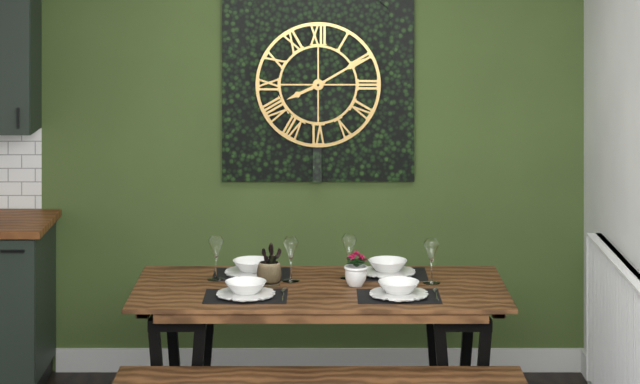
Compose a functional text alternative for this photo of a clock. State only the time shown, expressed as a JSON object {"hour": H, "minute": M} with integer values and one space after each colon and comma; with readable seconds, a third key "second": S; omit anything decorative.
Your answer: {"hour": 8, "minute": 10}
